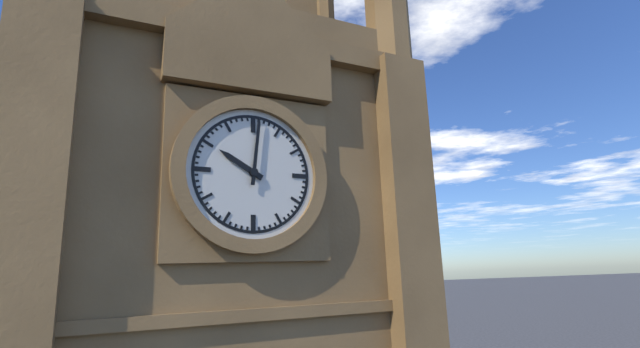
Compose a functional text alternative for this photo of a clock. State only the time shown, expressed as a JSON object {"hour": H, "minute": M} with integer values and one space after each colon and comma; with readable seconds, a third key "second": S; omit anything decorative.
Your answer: {"hour": 10, "minute": 1}
